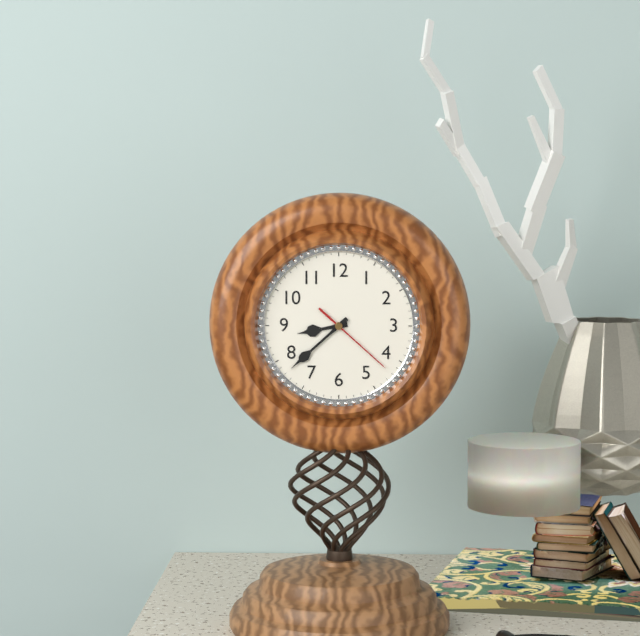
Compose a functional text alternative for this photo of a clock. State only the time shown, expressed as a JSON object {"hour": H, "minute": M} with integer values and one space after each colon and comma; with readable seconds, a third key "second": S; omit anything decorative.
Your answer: {"hour": 8, "minute": 38, "second": 22}
